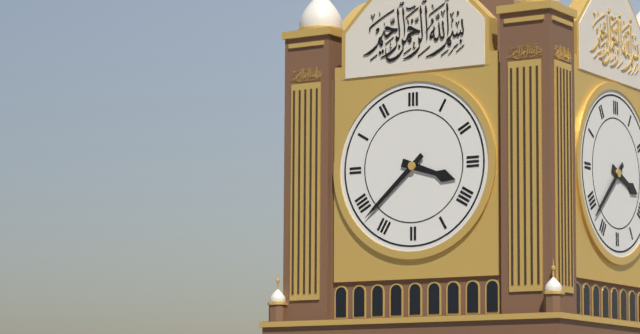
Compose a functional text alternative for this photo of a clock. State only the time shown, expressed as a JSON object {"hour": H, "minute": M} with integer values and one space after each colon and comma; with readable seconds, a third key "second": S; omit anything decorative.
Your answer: {"hour": 3, "minute": 38}
